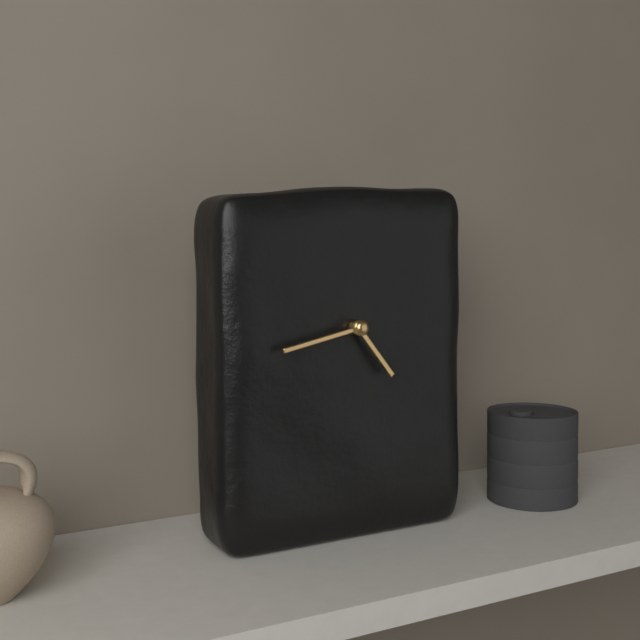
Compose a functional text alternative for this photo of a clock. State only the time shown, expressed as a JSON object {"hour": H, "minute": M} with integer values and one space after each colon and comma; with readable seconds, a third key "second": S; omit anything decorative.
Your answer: {"hour": 4, "minute": 43}
